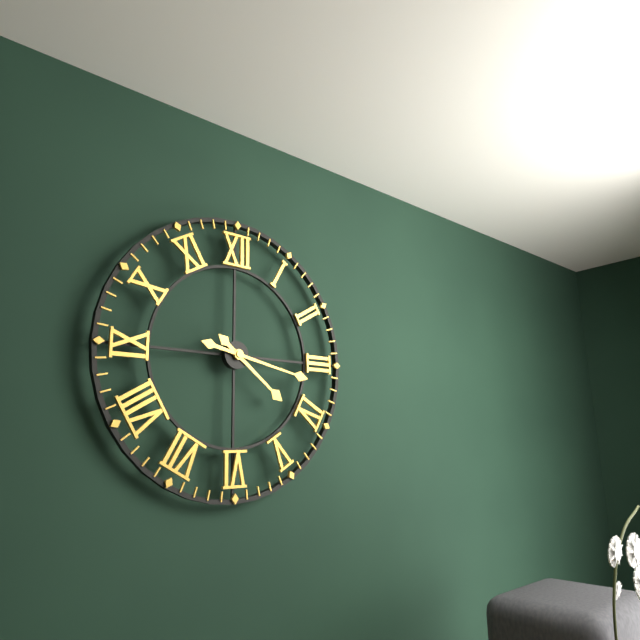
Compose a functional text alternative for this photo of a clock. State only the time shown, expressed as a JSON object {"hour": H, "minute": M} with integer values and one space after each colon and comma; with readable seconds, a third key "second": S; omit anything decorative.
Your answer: {"hour": 4, "minute": 17}
